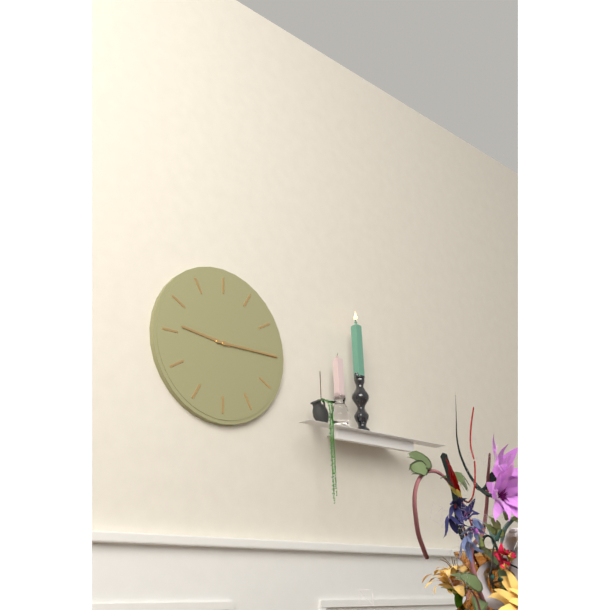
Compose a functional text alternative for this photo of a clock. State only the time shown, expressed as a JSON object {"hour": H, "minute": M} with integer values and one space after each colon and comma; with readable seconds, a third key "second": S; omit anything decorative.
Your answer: {"hour": 9, "minute": 15}
